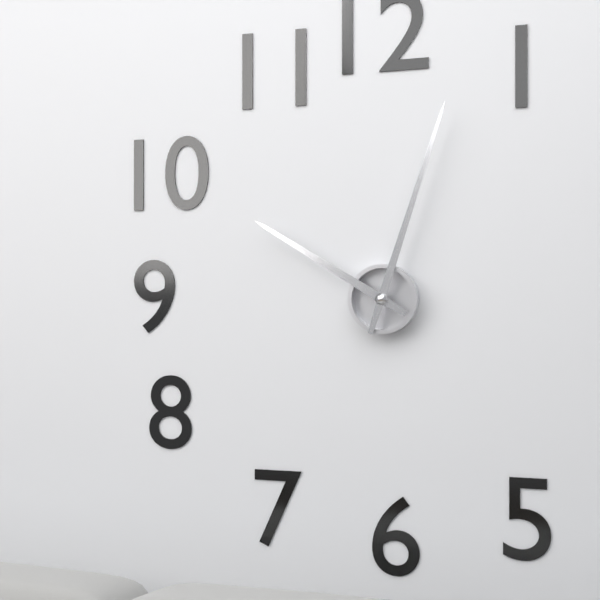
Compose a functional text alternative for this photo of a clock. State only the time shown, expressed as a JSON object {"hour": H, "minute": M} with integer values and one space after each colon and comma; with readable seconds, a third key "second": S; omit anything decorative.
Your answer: {"hour": 10, "minute": 3}
